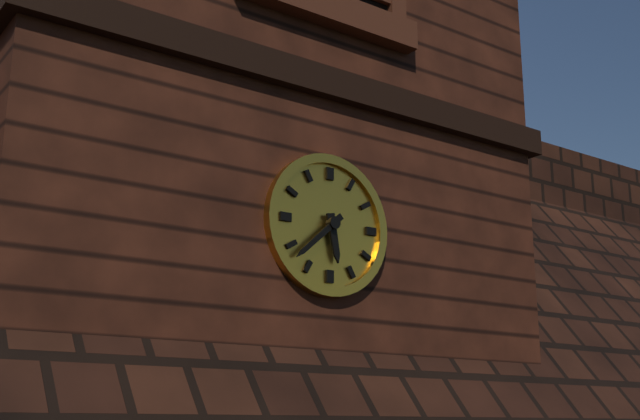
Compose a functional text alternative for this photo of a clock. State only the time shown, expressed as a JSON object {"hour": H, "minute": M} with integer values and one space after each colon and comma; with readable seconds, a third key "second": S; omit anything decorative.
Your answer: {"hour": 5, "minute": 38}
